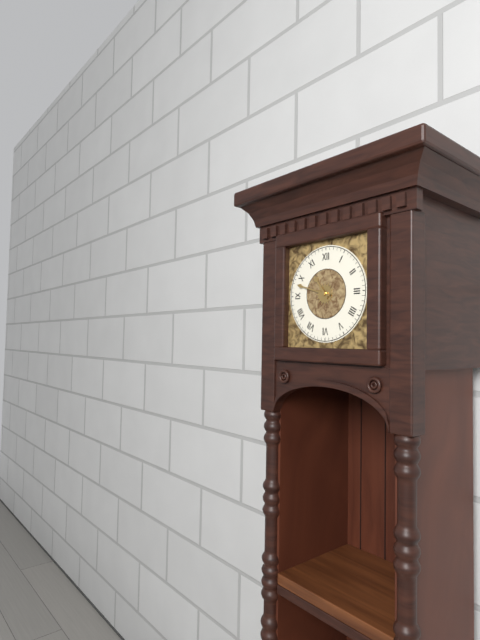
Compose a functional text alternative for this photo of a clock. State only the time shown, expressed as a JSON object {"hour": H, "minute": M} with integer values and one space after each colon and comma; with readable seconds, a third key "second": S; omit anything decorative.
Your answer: {"hour": 10, "minute": 48}
